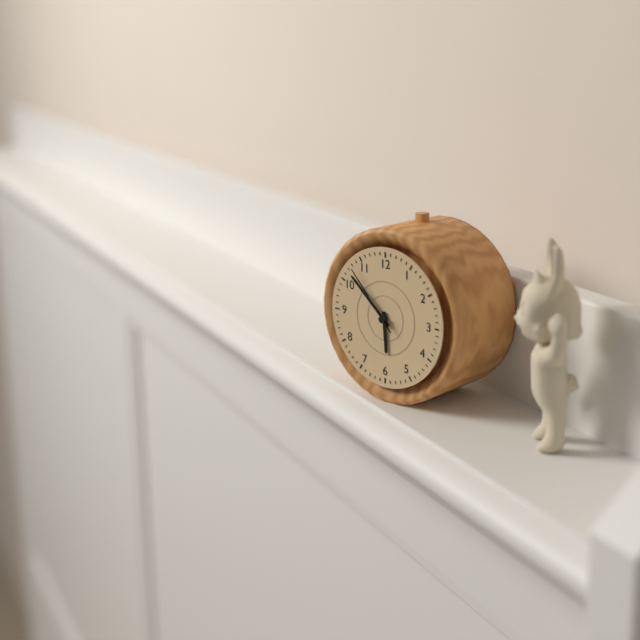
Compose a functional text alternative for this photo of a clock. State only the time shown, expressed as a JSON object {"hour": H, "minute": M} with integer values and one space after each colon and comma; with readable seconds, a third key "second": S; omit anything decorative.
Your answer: {"hour": 5, "minute": 52, "second": 53}
